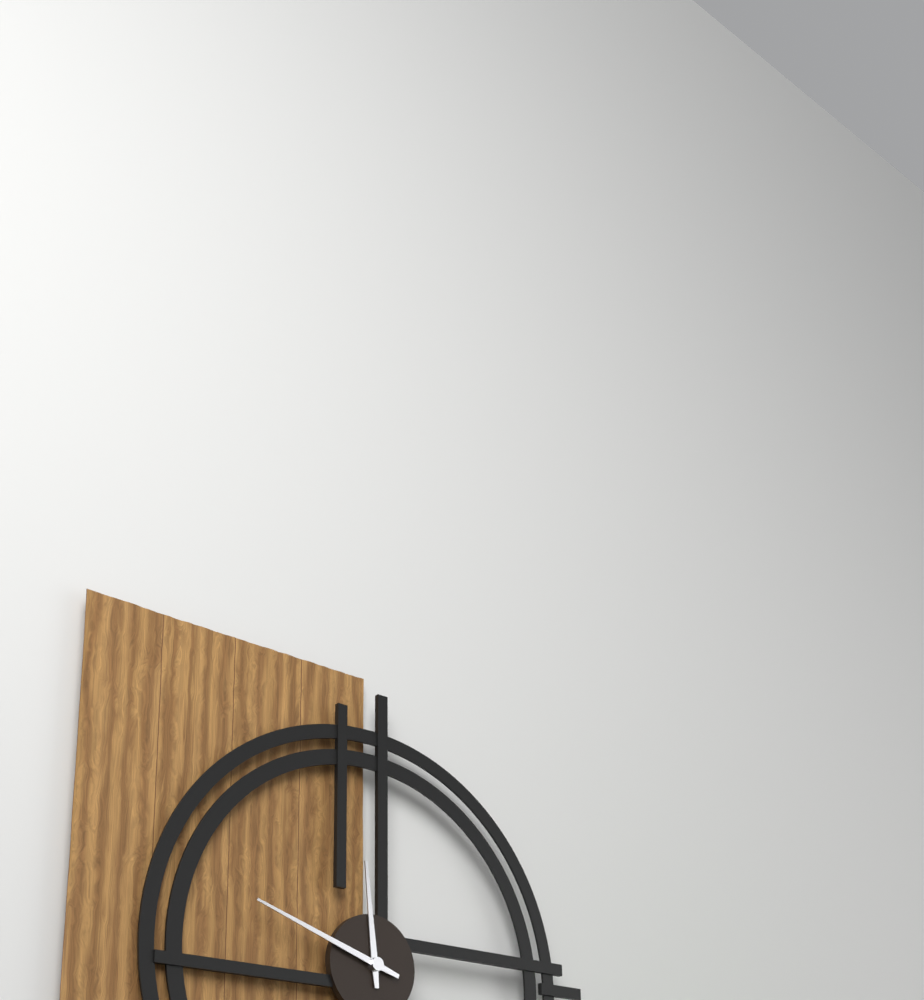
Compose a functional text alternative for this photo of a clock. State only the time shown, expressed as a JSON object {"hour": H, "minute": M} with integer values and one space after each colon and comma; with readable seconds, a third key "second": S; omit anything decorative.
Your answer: {"hour": 11, "minute": 48}
